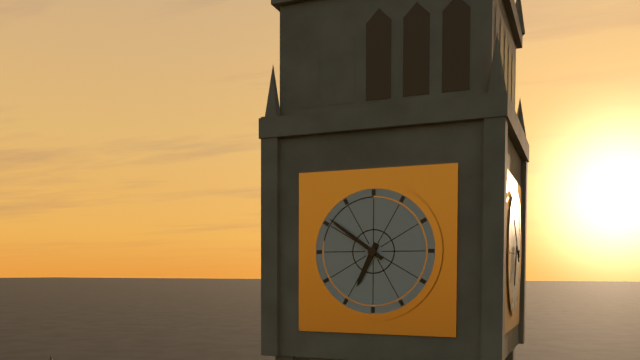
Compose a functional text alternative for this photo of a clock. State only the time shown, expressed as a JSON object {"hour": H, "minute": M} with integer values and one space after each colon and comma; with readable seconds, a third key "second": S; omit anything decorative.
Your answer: {"hour": 6, "minute": 51}
